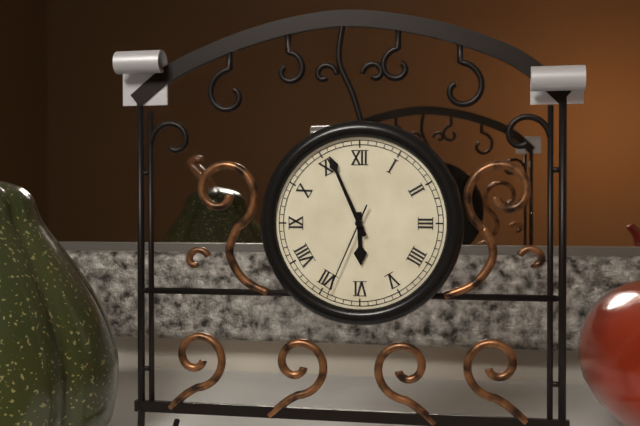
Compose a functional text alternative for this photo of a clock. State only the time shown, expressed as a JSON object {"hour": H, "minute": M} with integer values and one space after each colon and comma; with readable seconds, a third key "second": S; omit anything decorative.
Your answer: {"hour": 5, "minute": 56, "second": 34}
